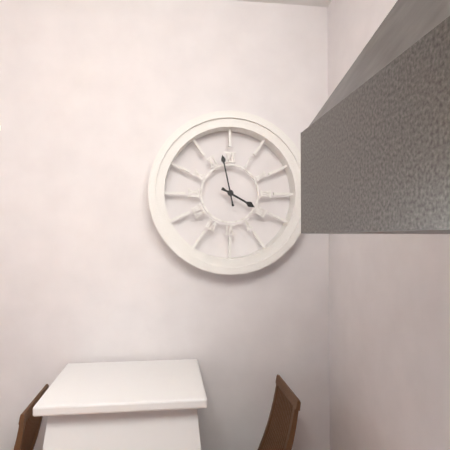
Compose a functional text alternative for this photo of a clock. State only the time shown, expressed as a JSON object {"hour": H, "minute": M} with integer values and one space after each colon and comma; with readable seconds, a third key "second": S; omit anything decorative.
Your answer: {"hour": 3, "minute": 58}
